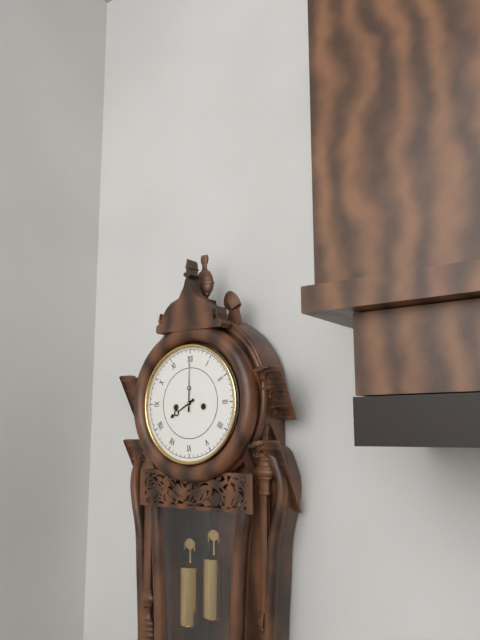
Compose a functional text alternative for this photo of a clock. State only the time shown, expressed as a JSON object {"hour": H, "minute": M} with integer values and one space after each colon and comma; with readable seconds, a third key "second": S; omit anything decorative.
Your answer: {"hour": 8, "minute": 0}
